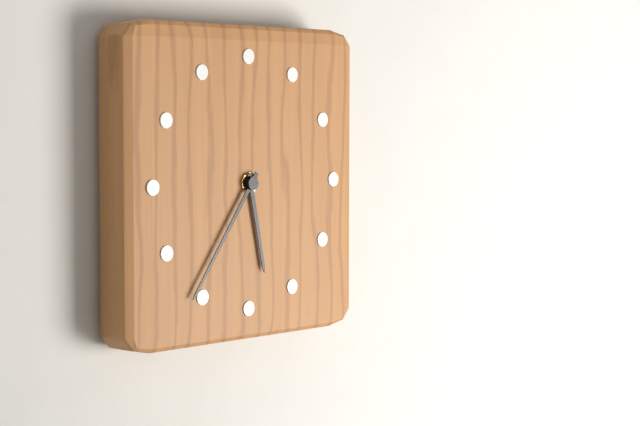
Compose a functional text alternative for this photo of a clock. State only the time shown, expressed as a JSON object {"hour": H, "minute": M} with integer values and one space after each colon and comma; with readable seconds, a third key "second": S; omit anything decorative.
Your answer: {"hour": 5, "minute": 36}
